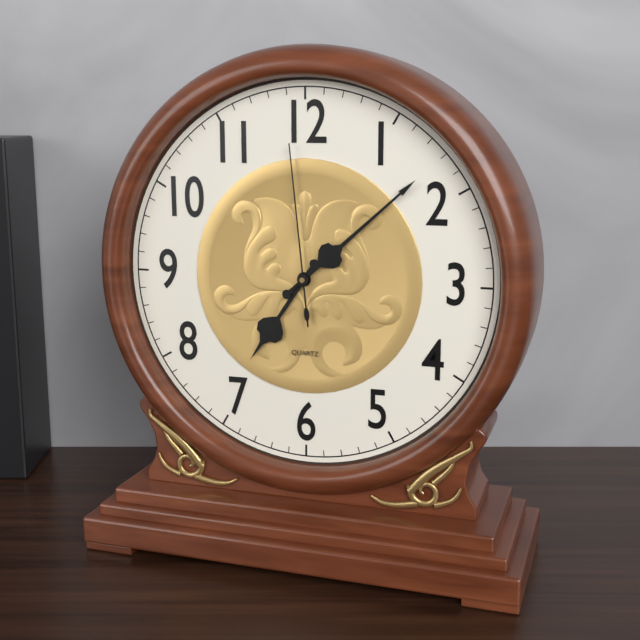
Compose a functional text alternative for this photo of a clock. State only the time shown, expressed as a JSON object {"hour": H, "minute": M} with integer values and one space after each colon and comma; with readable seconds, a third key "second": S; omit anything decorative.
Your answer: {"hour": 7, "minute": 8, "second": 59}
